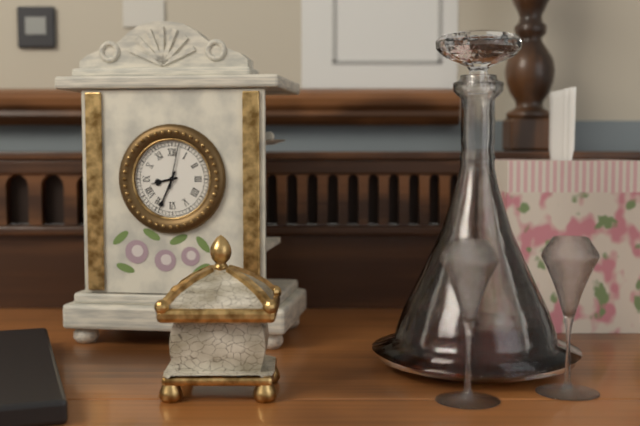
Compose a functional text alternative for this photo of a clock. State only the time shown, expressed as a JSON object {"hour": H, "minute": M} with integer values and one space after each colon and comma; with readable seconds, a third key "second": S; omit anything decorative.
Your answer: {"hour": 8, "minute": 34}
